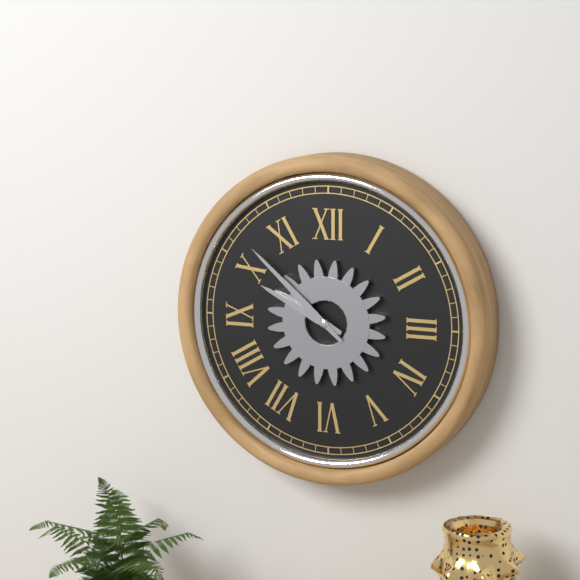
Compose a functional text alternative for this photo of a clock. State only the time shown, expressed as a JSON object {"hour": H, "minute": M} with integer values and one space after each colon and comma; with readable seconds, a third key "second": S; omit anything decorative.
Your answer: {"hour": 9, "minute": 52}
